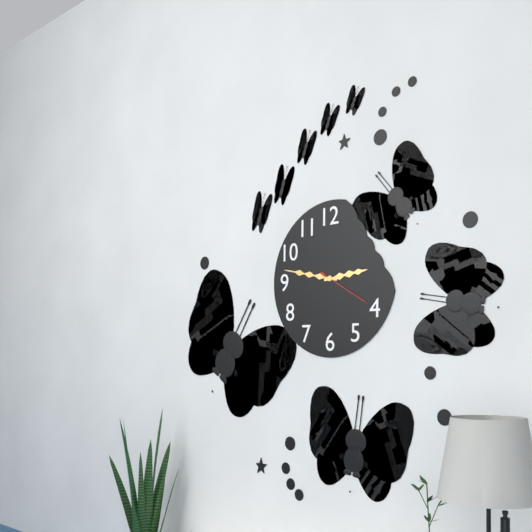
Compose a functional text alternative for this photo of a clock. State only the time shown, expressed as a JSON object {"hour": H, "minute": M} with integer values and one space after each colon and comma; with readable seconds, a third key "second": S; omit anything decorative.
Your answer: {"hour": 2, "minute": 47, "second": 20}
